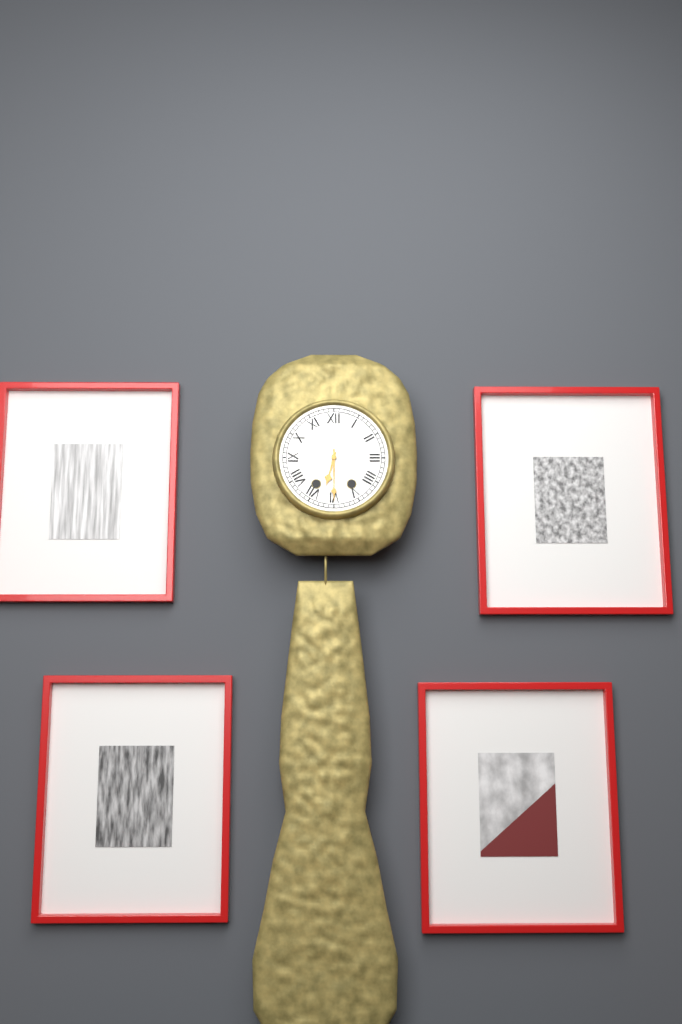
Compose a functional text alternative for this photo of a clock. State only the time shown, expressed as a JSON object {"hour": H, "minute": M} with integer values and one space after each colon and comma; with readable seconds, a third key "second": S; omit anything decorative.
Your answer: {"hour": 6, "minute": 30}
